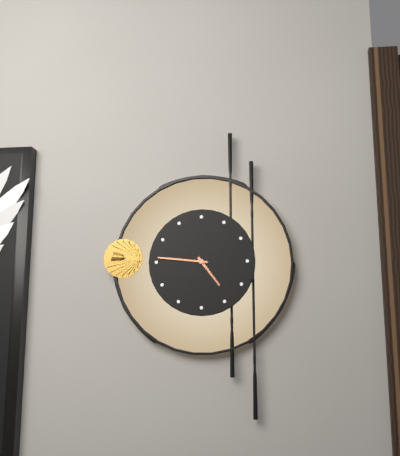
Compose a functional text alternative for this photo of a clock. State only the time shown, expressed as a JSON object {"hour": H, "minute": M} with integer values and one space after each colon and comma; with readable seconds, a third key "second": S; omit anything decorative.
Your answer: {"hour": 4, "minute": 46}
